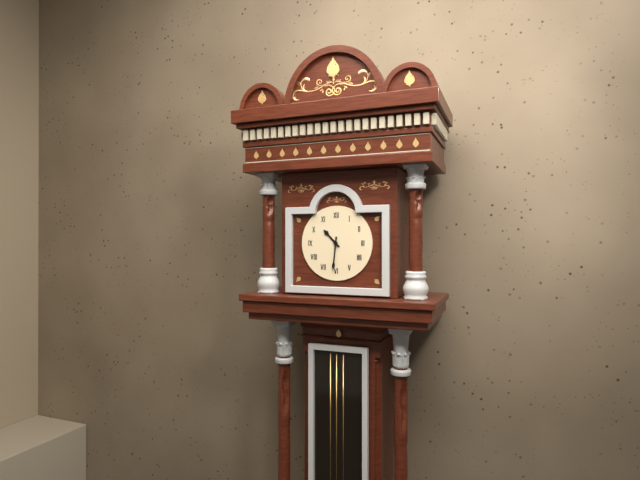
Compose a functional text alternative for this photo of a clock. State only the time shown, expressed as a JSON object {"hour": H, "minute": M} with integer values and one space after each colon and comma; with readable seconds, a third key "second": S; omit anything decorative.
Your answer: {"hour": 10, "minute": 31}
